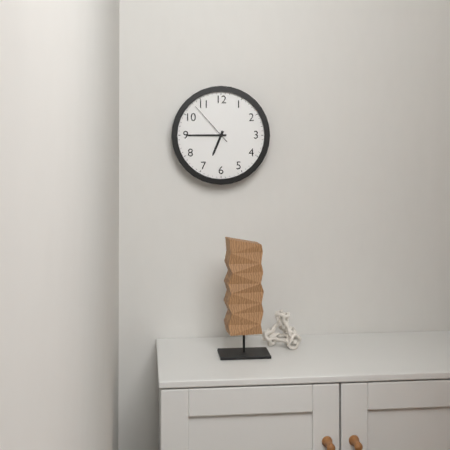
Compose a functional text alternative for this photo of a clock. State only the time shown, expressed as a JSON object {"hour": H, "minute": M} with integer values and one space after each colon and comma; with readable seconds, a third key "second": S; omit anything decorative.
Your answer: {"hour": 6, "minute": 45}
